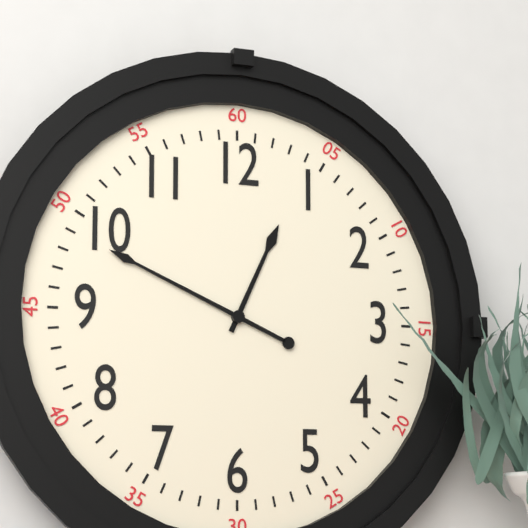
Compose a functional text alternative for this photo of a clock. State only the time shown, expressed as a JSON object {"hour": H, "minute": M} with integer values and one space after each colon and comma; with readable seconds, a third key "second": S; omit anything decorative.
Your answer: {"hour": 12, "minute": 49}
